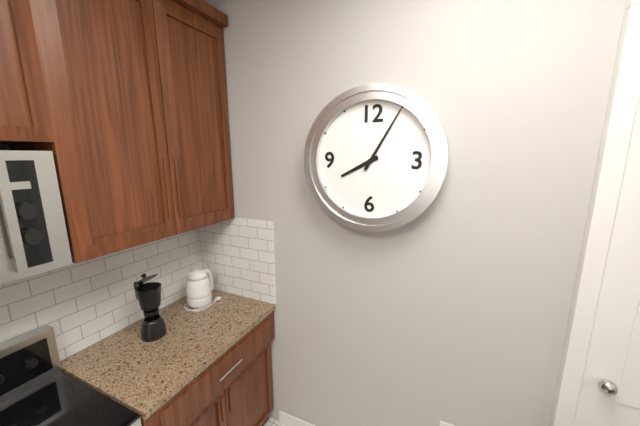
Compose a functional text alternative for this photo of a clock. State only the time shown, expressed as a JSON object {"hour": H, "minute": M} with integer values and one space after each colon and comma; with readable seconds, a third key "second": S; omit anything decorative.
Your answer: {"hour": 8, "minute": 5}
